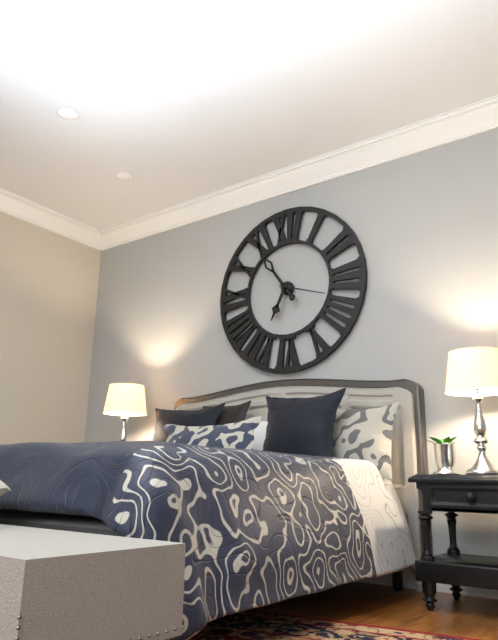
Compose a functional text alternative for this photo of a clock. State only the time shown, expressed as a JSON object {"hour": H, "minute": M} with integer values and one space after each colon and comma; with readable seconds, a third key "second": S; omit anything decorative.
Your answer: {"hour": 6, "minute": 54, "second": 18}
